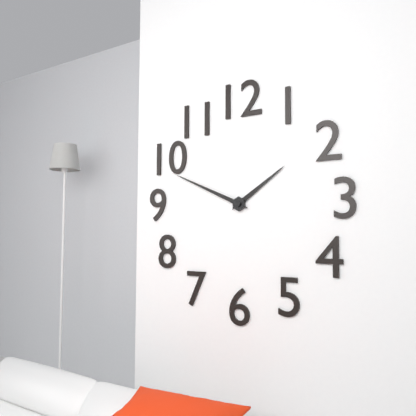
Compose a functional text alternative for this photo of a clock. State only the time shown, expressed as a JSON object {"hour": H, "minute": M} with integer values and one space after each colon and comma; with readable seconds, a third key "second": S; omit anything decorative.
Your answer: {"hour": 1, "minute": 49}
